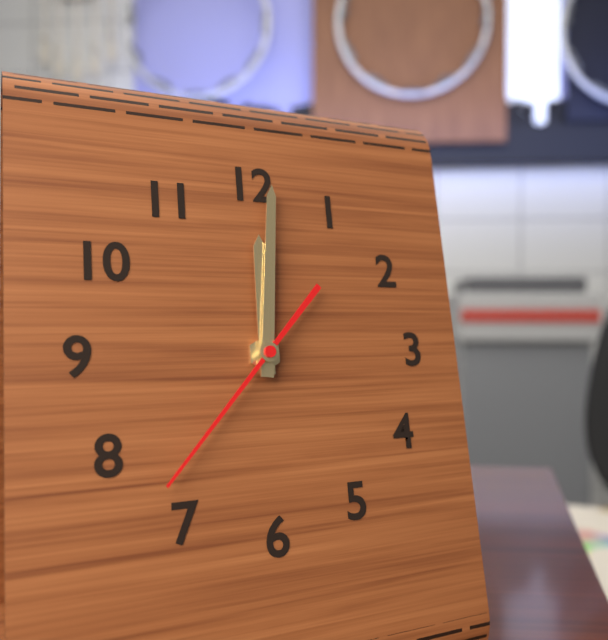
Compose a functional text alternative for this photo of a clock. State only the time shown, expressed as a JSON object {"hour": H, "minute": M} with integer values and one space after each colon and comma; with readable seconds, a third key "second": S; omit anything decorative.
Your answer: {"hour": 12, "minute": 1, "second": 37}
